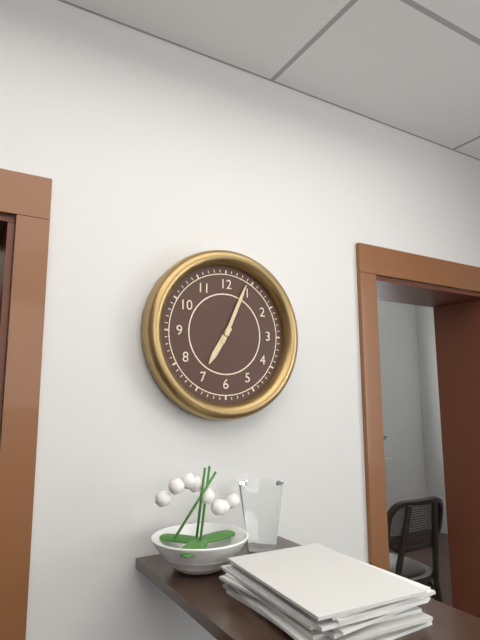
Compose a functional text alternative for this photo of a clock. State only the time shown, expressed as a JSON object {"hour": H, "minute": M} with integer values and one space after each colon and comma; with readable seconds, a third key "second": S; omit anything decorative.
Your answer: {"hour": 7, "minute": 4}
